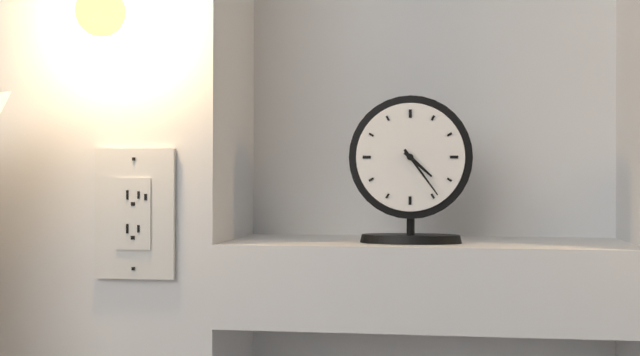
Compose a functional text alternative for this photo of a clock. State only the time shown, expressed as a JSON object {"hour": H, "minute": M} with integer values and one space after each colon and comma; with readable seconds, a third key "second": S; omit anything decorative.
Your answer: {"hour": 4, "minute": 24}
